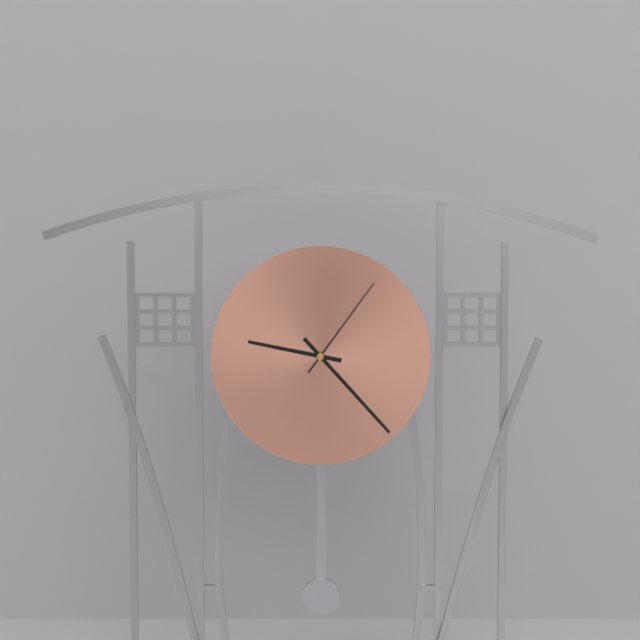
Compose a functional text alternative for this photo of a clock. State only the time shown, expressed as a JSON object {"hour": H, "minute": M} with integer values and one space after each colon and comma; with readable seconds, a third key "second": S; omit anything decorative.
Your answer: {"hour": 9, "minute": 23, "second": 6}
